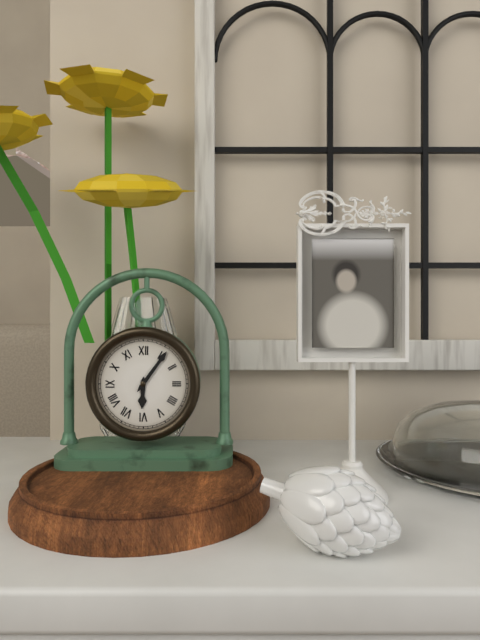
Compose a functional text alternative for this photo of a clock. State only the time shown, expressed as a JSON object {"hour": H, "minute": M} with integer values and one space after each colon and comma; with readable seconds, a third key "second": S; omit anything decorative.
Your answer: {"hour": 6, "minute": 6}
